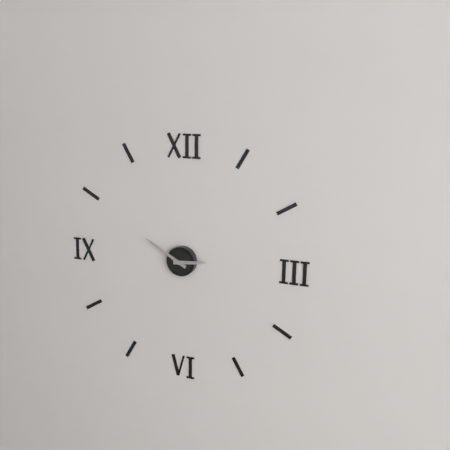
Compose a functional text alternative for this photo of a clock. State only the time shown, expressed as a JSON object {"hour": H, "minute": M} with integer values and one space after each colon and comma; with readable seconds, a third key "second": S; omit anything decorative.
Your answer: {"hour": 2, "minute": 50}
